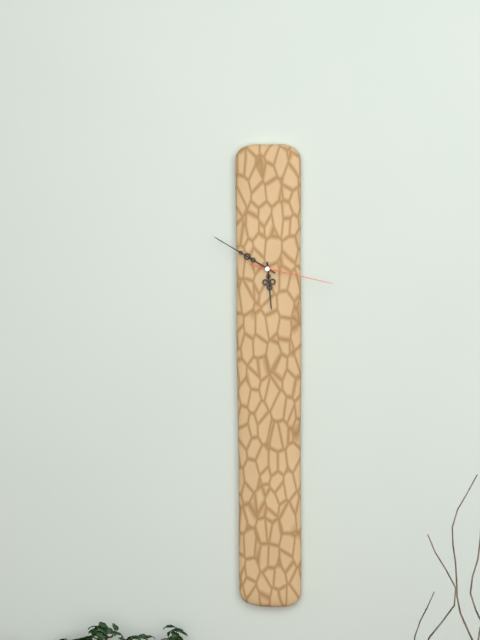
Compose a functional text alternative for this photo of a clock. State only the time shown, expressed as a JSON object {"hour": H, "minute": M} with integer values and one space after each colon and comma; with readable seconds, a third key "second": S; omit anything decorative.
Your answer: {"hour": 5, "minute": 50, "second": 17}
